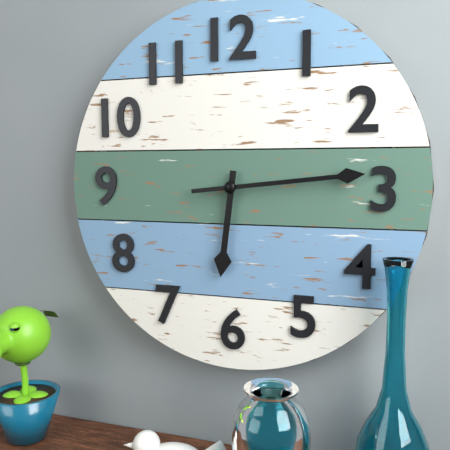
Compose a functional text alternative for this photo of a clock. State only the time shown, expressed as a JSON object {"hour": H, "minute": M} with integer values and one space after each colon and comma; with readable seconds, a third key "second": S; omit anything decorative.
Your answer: {"hour": 6, "minute": 14}
